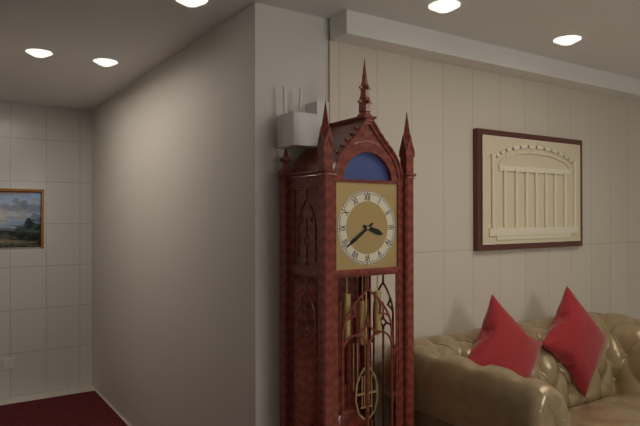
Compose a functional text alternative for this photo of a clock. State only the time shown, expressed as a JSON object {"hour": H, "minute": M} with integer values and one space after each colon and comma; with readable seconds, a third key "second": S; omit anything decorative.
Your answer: {"hour": 3, "minute": 39}
